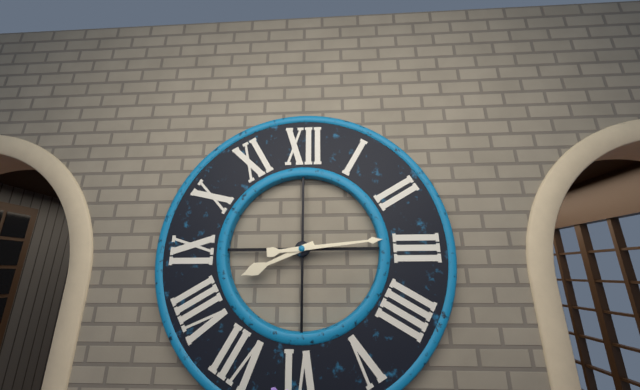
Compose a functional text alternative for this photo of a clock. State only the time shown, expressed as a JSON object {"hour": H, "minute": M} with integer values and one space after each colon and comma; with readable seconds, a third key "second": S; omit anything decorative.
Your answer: {"hour": 8, "minute": 14}
